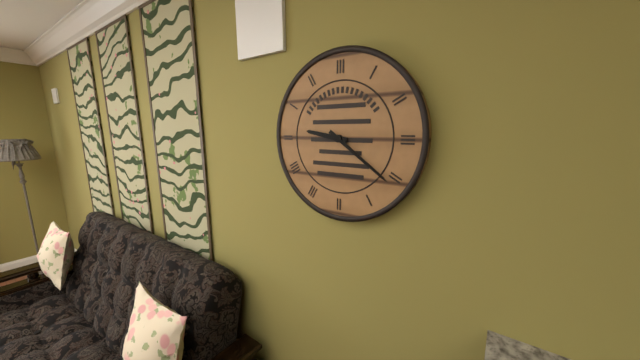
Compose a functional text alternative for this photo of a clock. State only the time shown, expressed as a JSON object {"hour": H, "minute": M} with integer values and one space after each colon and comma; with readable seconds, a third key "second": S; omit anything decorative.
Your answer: {"hour": 9, "minute": 21}
